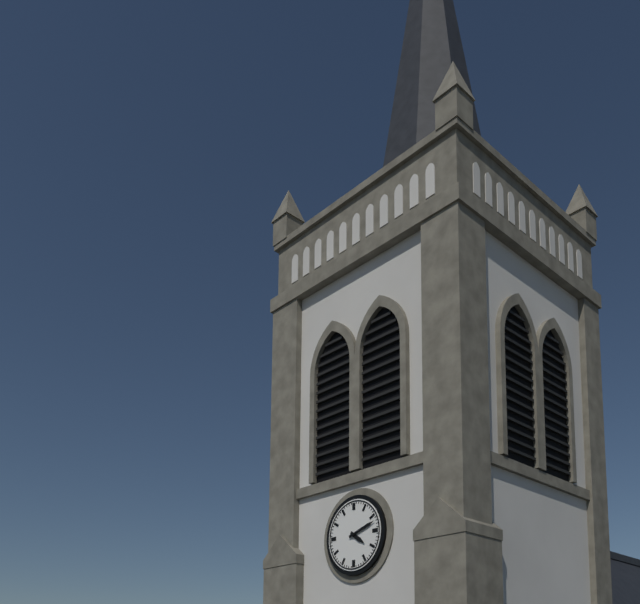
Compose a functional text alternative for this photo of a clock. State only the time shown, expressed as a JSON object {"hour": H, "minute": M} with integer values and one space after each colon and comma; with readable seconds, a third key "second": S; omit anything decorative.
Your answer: {"hour": 4, "minute": 12}
